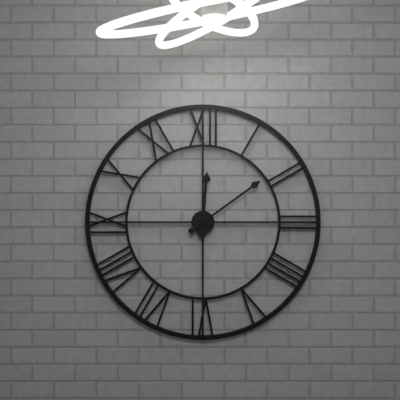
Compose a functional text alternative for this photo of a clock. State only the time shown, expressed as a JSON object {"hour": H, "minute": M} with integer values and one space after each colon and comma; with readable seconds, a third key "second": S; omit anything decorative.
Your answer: {"hour": 12, "minute": 9}
